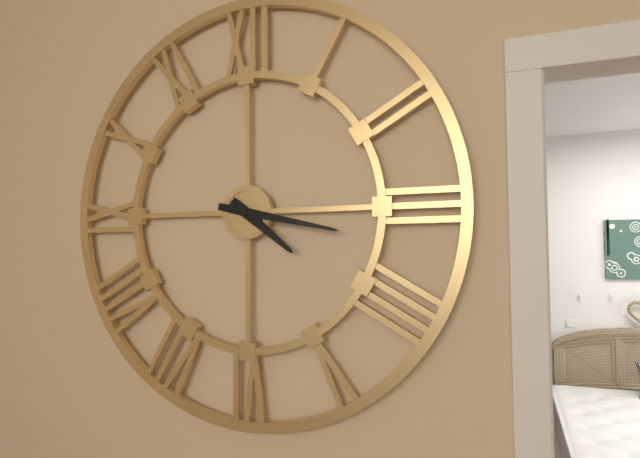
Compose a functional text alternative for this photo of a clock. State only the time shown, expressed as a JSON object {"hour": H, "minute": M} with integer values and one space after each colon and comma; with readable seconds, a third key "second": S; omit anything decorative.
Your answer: {"hour": 4, "minute": 17}
